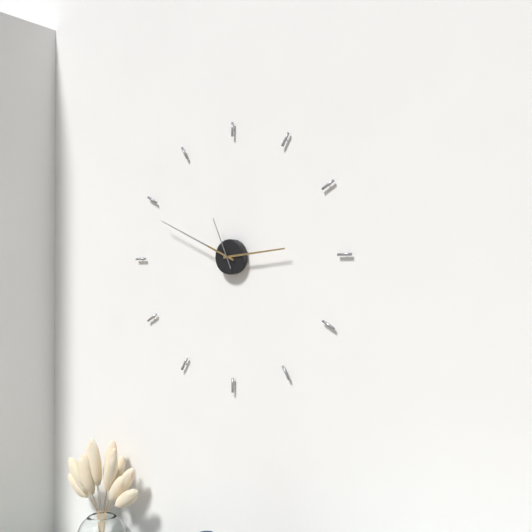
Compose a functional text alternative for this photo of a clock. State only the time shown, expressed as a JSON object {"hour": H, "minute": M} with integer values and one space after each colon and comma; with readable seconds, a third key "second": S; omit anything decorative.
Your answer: {"hour": 2, "minute": 49, "second": 56}
